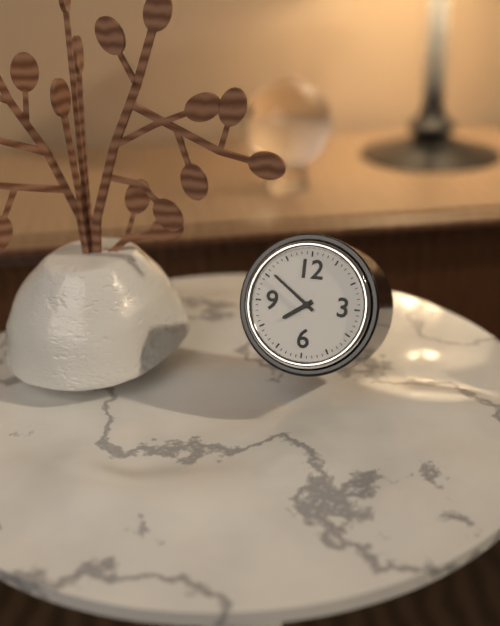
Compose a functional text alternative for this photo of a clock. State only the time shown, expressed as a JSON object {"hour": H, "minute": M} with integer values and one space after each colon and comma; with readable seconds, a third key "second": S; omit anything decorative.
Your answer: {"hour": 7, "minute": 51}
